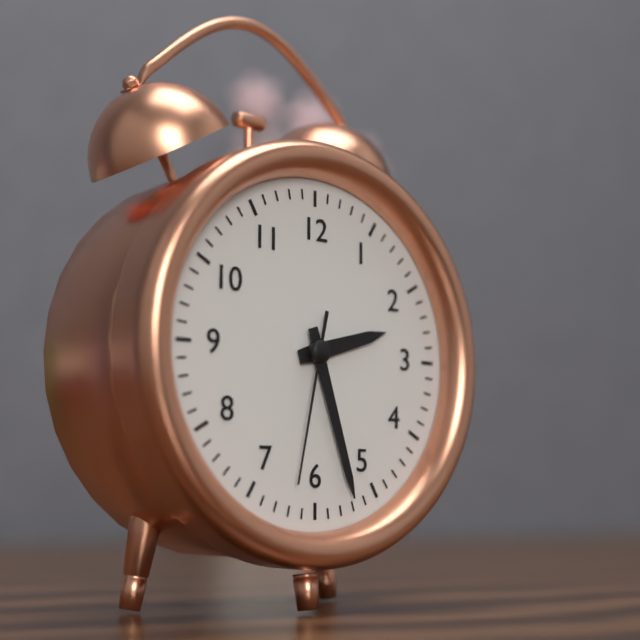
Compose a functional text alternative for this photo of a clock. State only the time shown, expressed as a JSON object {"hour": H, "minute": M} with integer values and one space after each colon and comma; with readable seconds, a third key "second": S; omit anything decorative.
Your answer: {"hour": 2, "minute": 27, "second": 32}
